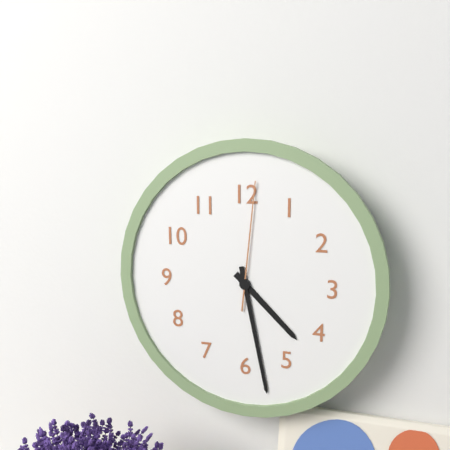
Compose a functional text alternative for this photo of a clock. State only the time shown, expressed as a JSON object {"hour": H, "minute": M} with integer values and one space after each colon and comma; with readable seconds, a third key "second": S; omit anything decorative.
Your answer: {"hour": 4, "minute": 28, "second": 1}
